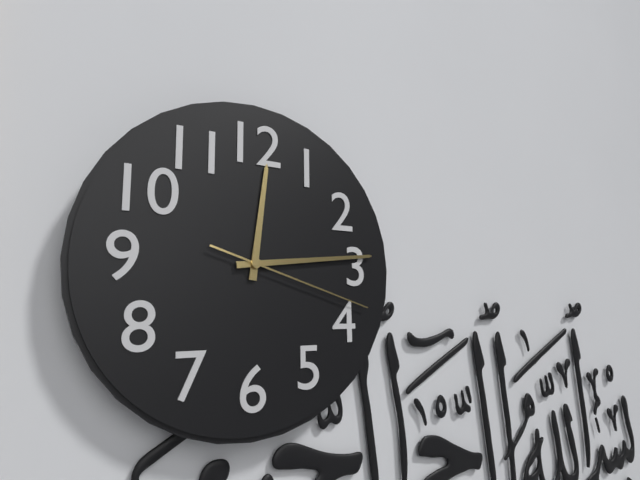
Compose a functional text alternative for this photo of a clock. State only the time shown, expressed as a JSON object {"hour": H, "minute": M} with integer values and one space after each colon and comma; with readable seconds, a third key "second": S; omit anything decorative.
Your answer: {"hour": 12, "minute": 14, "second": 18}
